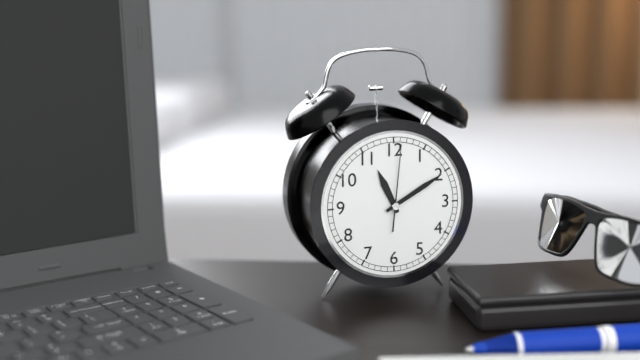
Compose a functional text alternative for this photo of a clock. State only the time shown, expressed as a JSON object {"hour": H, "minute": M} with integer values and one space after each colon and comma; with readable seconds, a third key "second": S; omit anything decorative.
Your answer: {"hour": 11, "minute": 10, "second": 1}
